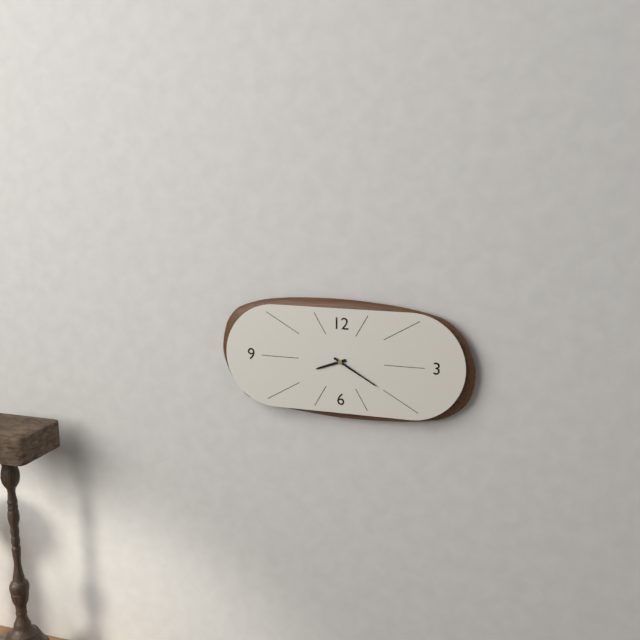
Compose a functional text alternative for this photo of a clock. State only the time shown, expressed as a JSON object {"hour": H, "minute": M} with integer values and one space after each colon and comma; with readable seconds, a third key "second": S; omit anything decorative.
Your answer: {"hour": 8, "minute": 20}
